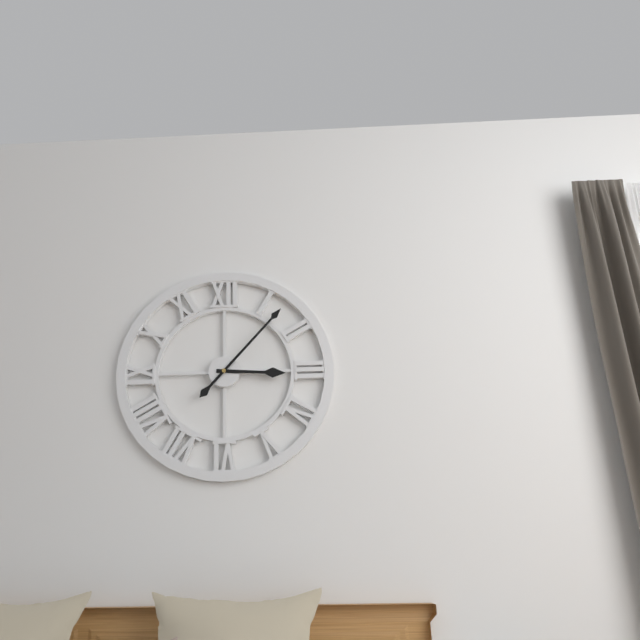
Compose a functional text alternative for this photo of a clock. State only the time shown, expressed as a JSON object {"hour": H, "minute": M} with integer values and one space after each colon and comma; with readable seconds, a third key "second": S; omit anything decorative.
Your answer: {"hour": 3, "minute": 7}
